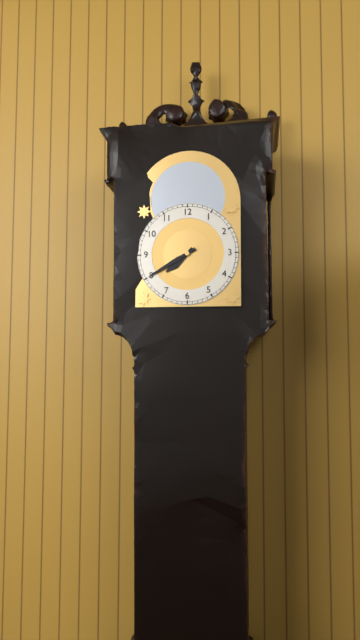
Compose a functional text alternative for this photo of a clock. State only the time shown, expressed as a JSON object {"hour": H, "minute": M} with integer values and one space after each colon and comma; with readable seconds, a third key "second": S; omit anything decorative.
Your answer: {"hour": 7, "minute": 40}
